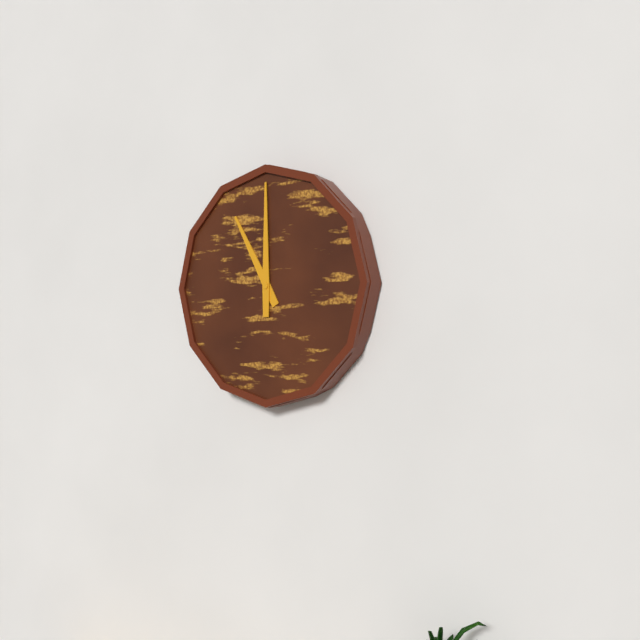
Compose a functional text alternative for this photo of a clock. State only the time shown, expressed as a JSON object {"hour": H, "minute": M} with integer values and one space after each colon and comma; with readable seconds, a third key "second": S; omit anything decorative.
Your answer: {"hour": 11, "minute": 0}
